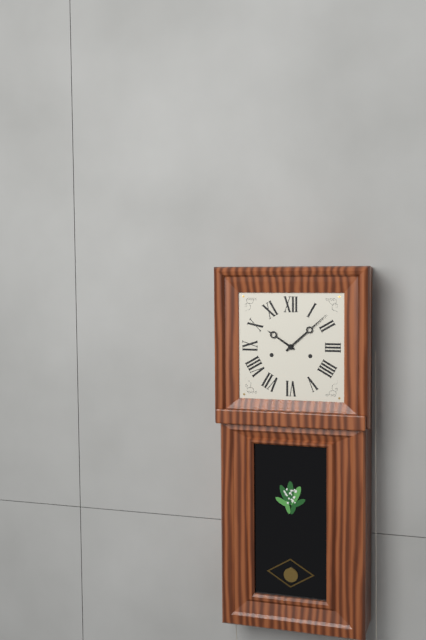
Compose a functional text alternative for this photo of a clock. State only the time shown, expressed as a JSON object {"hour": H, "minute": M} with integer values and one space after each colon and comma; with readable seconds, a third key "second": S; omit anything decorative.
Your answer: {"hour": 10, "minute": 8}
